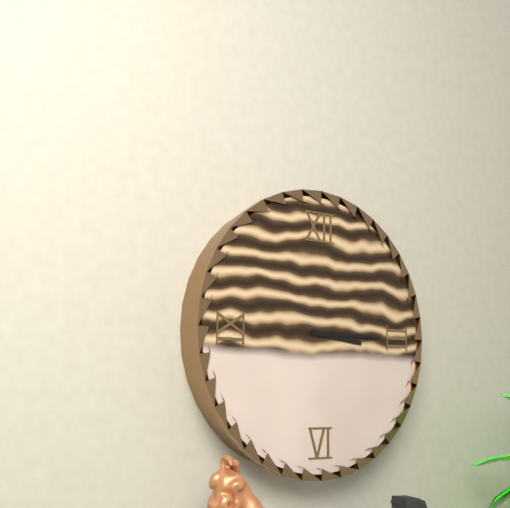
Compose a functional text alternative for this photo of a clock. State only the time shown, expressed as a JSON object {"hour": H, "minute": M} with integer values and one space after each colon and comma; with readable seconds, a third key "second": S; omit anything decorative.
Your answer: {"hour": 3, "minute": 15}
